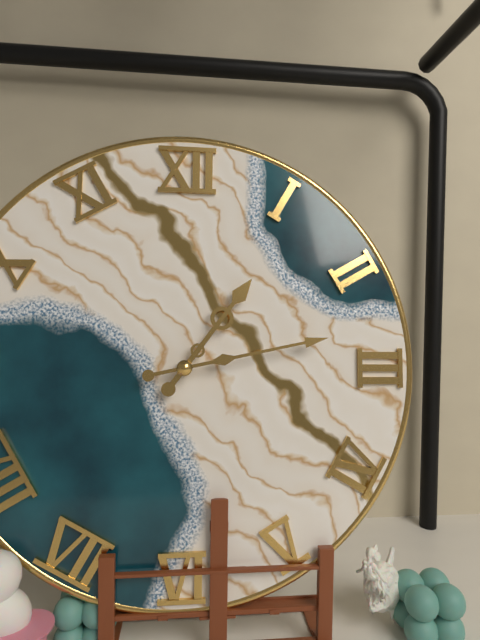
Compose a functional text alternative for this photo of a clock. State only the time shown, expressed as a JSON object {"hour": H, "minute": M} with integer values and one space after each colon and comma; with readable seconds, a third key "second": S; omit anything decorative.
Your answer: {"hour": 1, "minute": 13}
